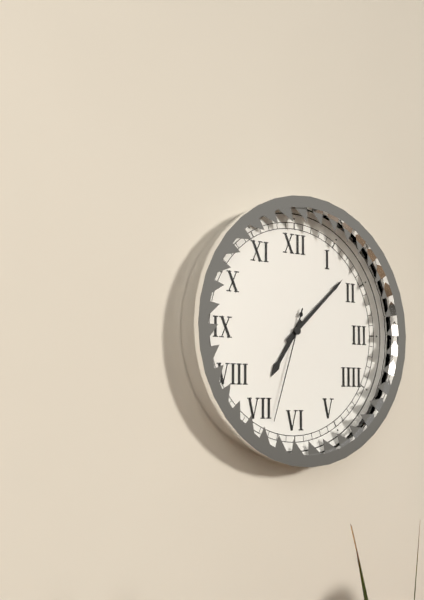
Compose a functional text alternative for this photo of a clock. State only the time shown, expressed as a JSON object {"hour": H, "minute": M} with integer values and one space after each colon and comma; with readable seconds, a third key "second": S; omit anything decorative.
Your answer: {"hour": 7, "minute": 8, "second": 33}
